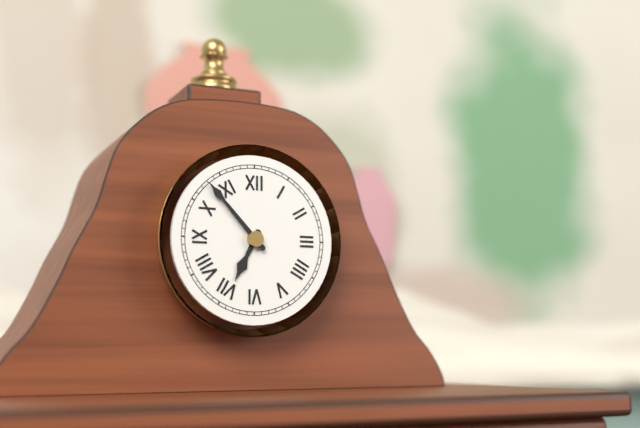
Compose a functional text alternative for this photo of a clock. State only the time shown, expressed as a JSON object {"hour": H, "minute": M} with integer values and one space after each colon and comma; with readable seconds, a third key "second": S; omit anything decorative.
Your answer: {"hour": 6, "minute": 53}
